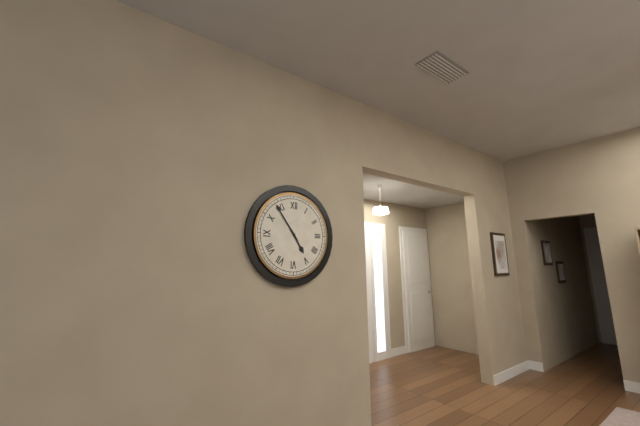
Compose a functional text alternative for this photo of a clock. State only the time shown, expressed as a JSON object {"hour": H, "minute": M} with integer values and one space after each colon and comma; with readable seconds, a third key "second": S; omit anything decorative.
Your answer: {"hour": 4, "minute": 54}
